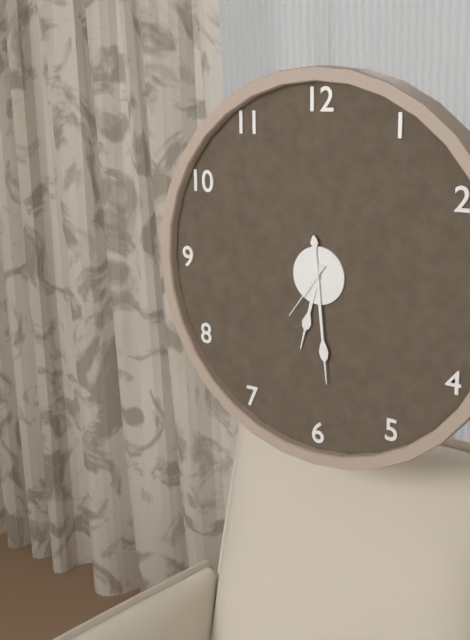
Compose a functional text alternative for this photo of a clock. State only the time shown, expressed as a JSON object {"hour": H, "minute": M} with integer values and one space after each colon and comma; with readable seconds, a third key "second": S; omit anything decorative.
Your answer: {"hour": 6, "minute": 29, "second": 36}
